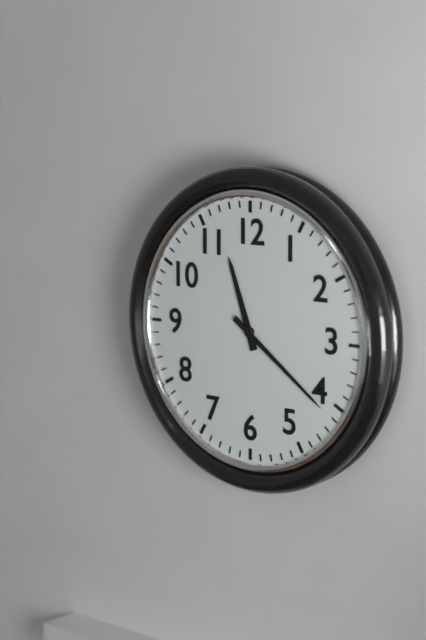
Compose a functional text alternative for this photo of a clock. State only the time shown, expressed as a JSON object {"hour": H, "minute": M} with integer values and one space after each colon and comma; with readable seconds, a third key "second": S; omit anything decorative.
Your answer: {"hour": 11, "minute": 21}
